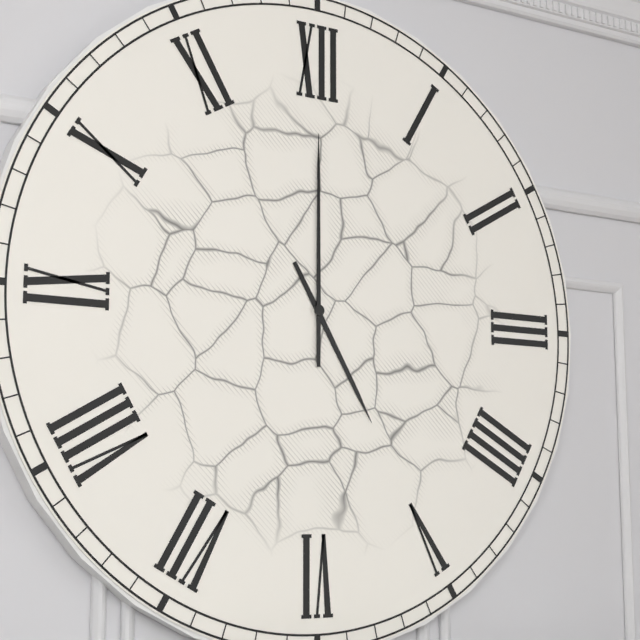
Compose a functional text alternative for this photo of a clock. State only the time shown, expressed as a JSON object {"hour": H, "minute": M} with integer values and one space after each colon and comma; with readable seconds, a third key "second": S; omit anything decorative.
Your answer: {"hour": 5, "minute": 0}
